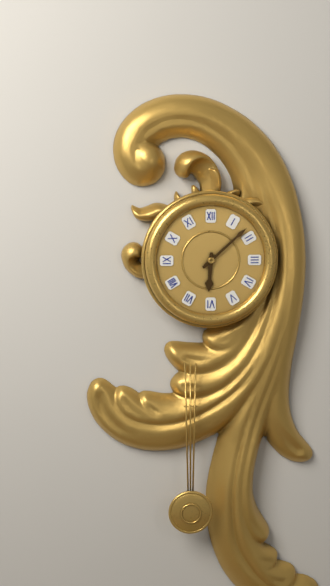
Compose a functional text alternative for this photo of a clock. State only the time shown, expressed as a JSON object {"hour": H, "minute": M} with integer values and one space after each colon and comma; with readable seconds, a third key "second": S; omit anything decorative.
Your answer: {"hour": 6, "minute": 8}
